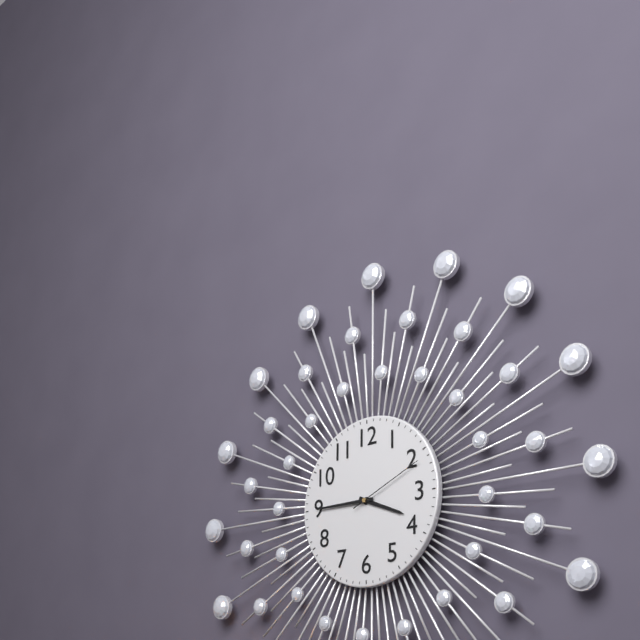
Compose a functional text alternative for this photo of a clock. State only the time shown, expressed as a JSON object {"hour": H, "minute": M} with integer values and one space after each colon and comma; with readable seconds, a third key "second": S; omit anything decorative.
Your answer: {"hour": 3, "minute": 45, "second": 11}
